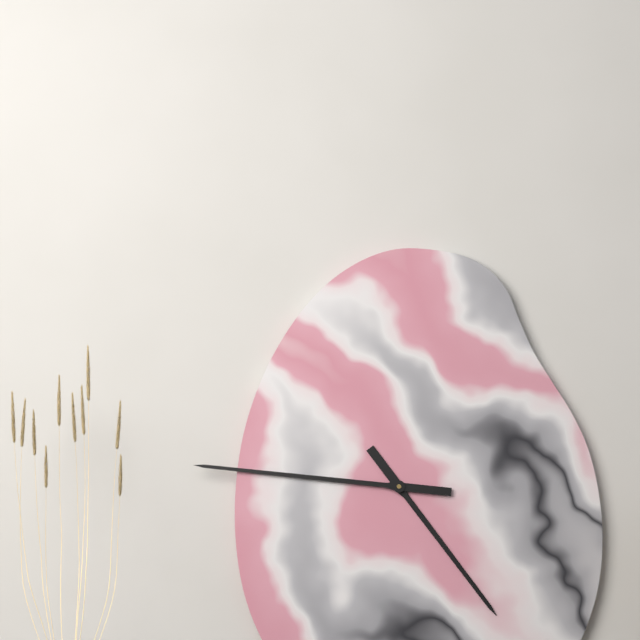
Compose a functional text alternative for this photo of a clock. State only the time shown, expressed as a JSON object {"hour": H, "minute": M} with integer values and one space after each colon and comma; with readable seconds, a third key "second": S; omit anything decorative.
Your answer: {"hour": 4, "minute": 46}
